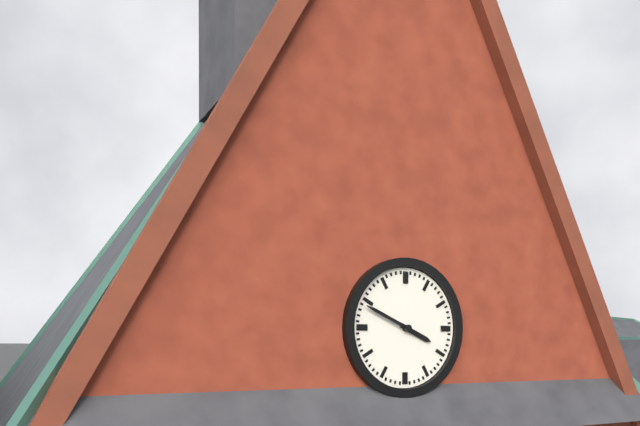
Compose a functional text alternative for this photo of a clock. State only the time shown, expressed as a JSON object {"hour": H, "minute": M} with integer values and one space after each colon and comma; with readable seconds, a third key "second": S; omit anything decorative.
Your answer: {"hour": 3, "minute": 49}
